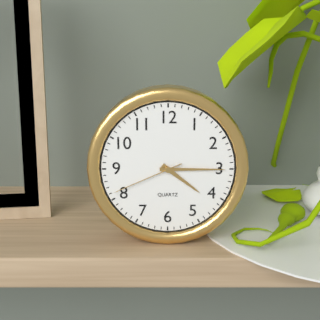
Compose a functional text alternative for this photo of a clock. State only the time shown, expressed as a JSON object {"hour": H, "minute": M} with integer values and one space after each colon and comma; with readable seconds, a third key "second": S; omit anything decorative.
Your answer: {"hour": 4, "minute": 15, "second": 41}
